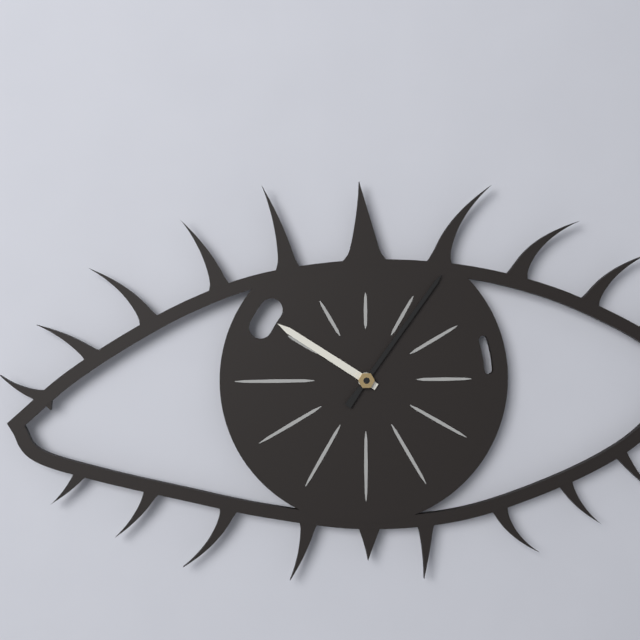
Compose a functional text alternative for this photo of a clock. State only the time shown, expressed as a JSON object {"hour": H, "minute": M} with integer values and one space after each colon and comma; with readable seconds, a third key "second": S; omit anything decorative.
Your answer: {"hour": 10, "minute": 6}
